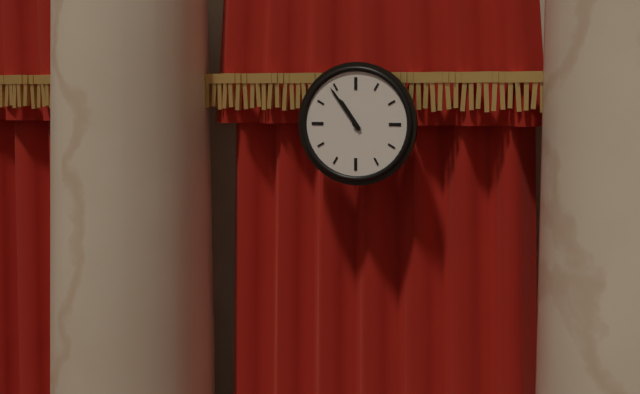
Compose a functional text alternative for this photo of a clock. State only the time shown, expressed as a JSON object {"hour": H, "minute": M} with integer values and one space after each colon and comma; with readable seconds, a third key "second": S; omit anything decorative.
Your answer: {"hour": 10, "minute": 54}
